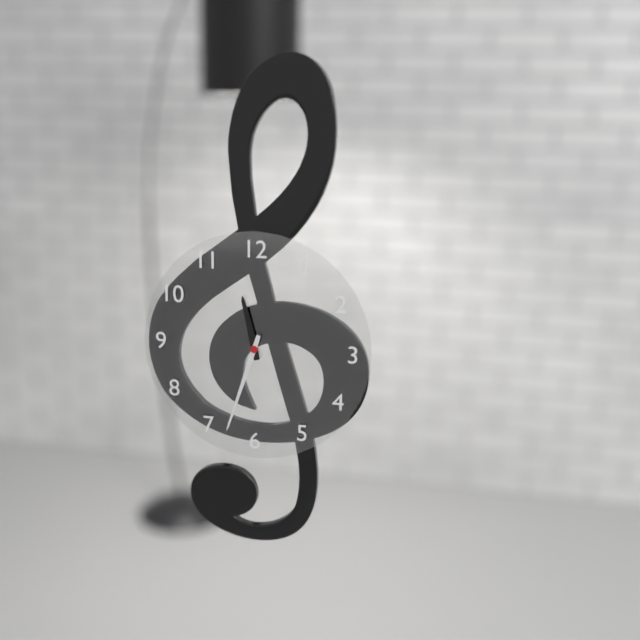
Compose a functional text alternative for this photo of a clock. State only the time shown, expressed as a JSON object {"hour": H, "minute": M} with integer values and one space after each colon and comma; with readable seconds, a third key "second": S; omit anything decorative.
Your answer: {"hour": 11, "minute": 33}
